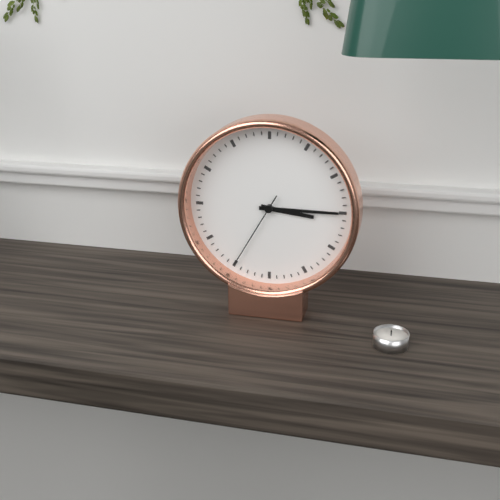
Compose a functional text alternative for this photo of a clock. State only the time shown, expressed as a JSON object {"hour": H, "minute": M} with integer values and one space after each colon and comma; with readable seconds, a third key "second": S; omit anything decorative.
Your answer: {"hour": 3, "minute": 15, "second": 35}
